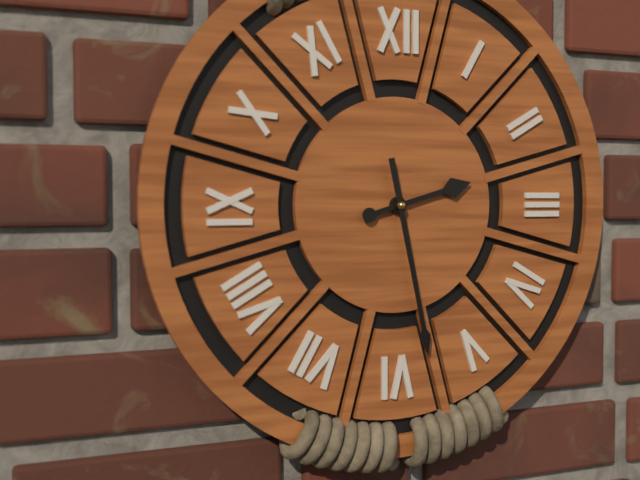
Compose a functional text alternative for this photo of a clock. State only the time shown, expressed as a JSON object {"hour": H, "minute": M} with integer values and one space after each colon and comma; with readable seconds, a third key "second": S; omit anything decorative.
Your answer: {"hour": 2, "minute": 28}
